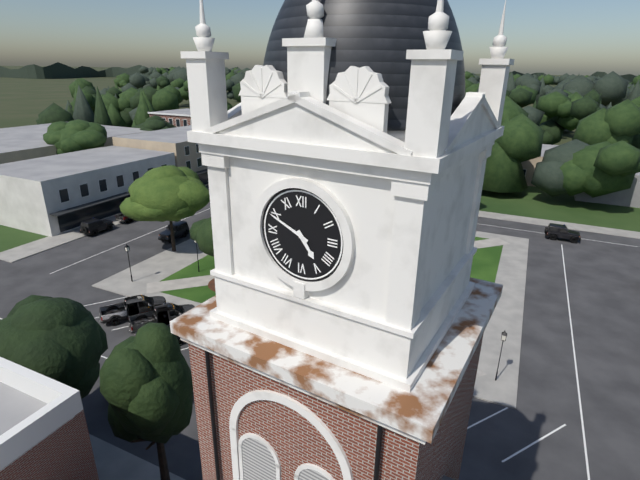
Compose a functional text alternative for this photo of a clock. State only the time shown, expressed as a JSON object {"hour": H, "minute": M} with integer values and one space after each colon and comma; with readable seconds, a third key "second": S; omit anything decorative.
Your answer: {"hour": 4, "minute": 49}
